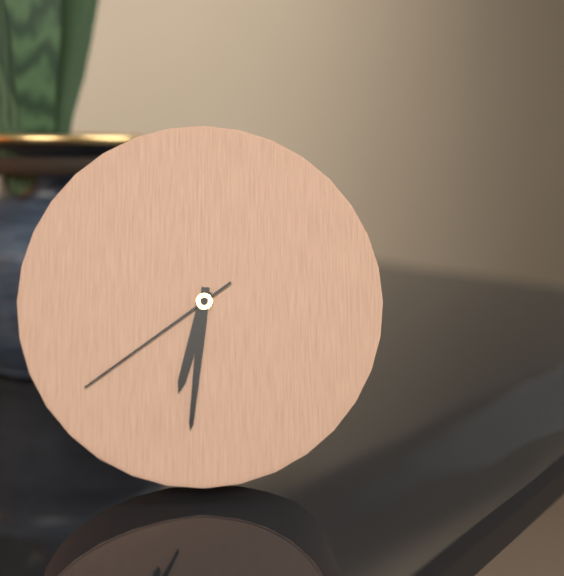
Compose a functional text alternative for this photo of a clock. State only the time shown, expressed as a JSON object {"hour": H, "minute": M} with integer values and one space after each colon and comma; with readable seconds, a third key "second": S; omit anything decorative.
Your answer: {"hour": 6, "minute": 31, "second": 39}
